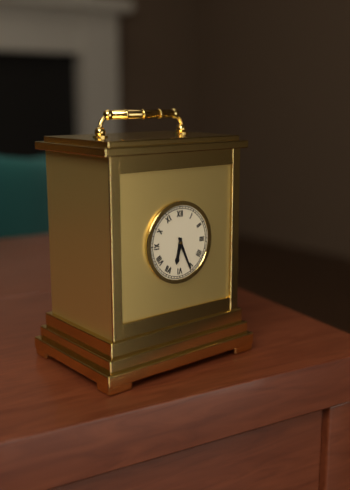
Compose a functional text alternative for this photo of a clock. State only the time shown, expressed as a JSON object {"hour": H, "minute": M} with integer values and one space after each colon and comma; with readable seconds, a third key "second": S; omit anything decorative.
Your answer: {"hour": 6, "minute": 26}
